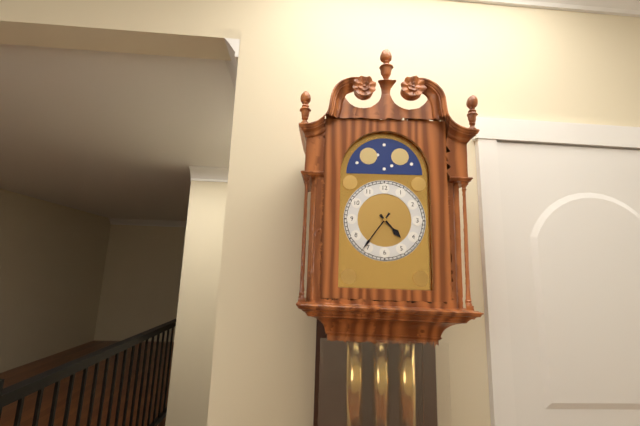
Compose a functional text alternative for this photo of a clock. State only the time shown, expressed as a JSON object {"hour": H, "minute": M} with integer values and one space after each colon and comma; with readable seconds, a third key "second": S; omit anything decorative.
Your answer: {"hour": 4, "minute": 36}
